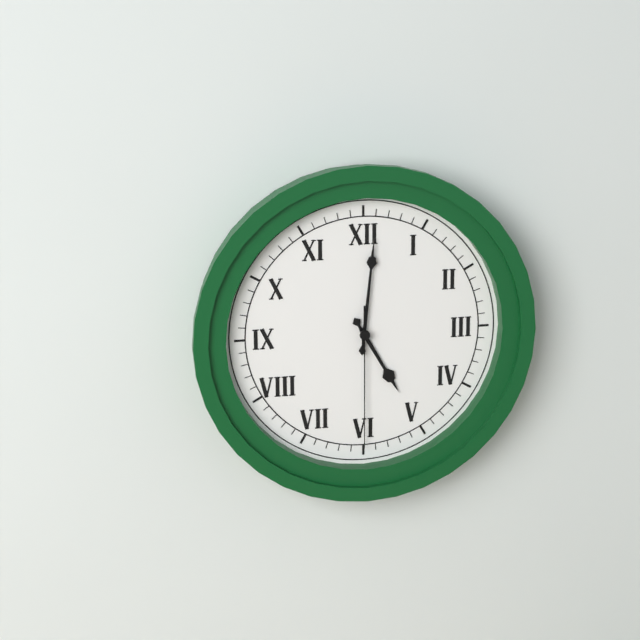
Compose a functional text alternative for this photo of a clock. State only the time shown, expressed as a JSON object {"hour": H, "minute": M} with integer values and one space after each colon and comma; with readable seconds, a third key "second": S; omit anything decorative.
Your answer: {"hour": 5, "minute": 1, "second": 30}
